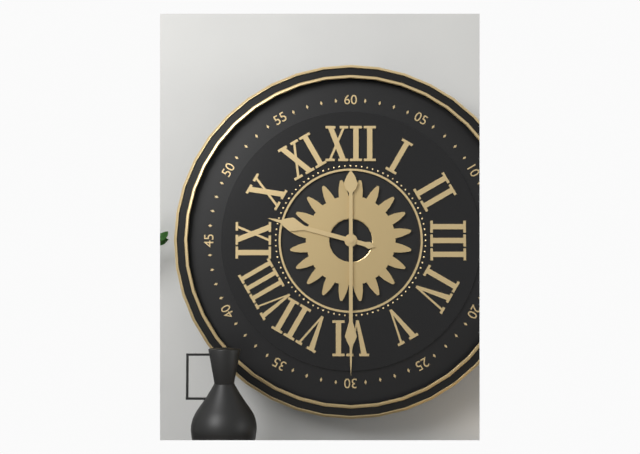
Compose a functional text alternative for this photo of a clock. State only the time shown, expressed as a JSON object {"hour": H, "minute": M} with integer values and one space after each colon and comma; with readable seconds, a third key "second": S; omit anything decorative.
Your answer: {"hour": 9, "minute": 30}
